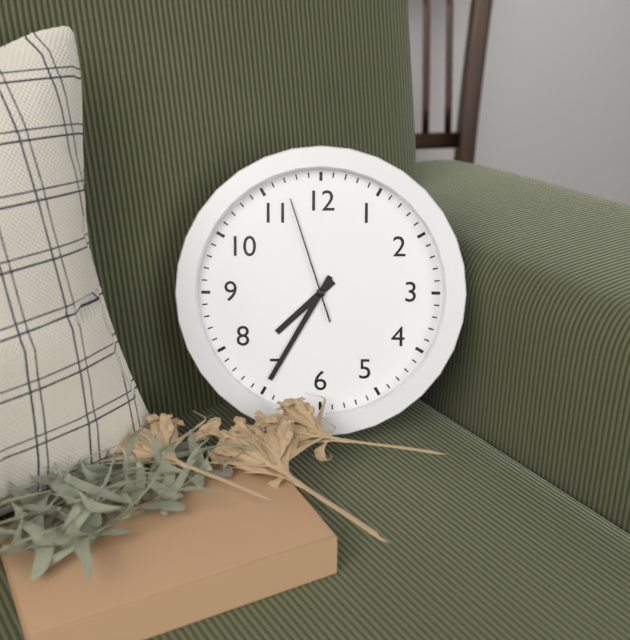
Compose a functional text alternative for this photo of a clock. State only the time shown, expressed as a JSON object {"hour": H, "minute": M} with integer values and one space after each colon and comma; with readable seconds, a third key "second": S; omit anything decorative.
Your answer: {"hour": 7, "minute": 35, "second": 57}
